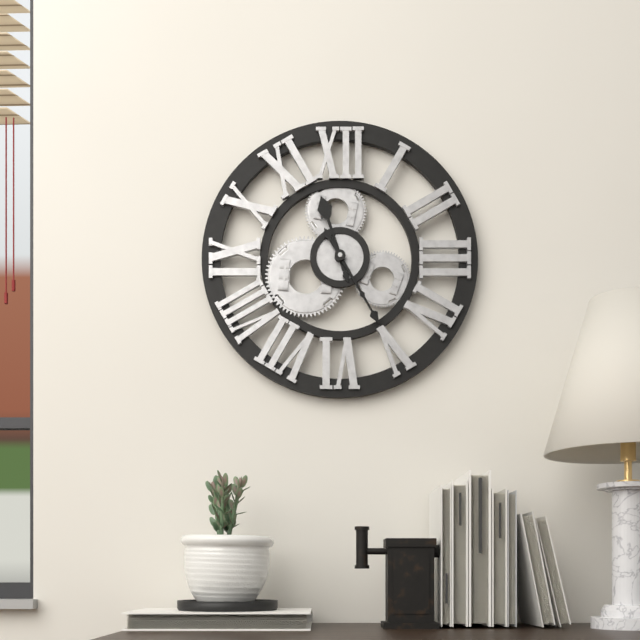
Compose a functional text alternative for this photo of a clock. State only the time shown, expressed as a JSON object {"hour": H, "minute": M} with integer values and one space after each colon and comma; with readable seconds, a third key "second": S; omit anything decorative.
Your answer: {"hour": 11, "minute": 25}
